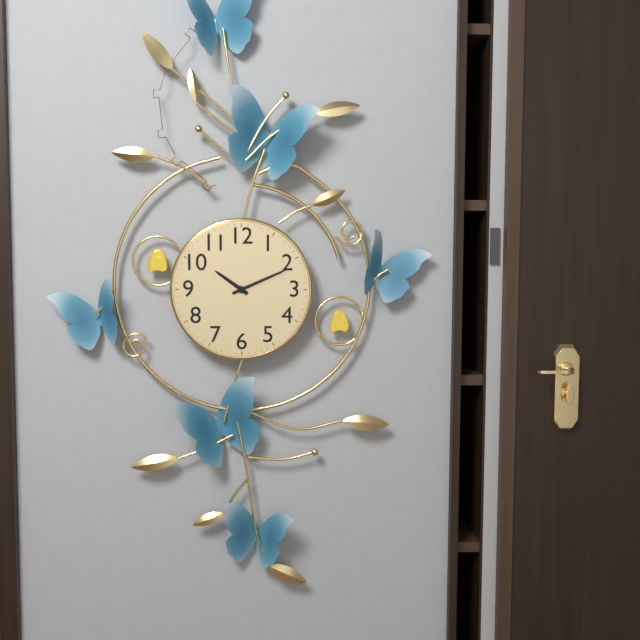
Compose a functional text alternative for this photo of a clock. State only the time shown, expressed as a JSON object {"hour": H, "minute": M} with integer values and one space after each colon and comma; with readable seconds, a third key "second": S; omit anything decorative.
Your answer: {"hour": 10, "minute": 11}
